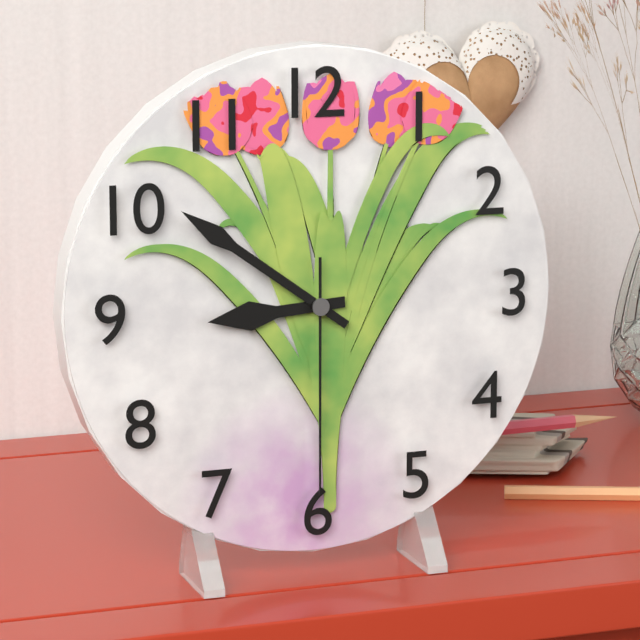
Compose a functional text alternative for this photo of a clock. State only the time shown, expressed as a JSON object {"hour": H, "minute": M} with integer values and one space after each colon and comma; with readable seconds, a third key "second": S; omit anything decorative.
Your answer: {"hour": 8, "minute": 51, "second": 30}
